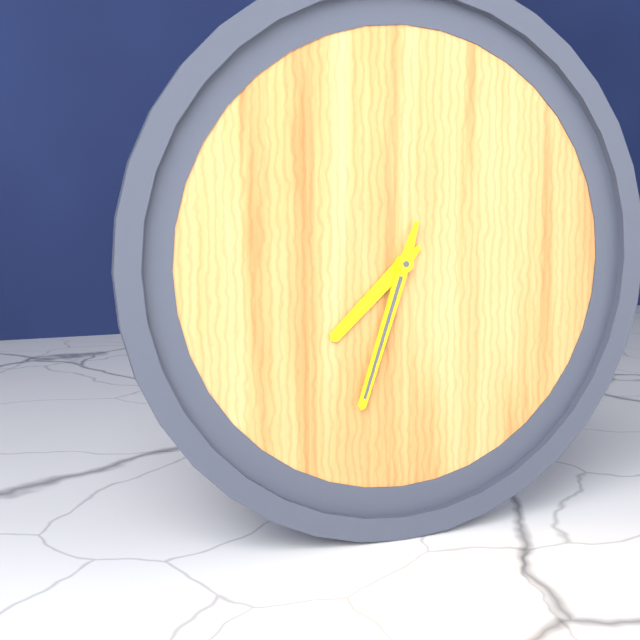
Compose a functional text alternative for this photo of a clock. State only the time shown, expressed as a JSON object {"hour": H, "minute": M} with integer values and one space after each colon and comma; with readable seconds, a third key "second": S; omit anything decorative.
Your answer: {"hour": 7, "minute": 33}
